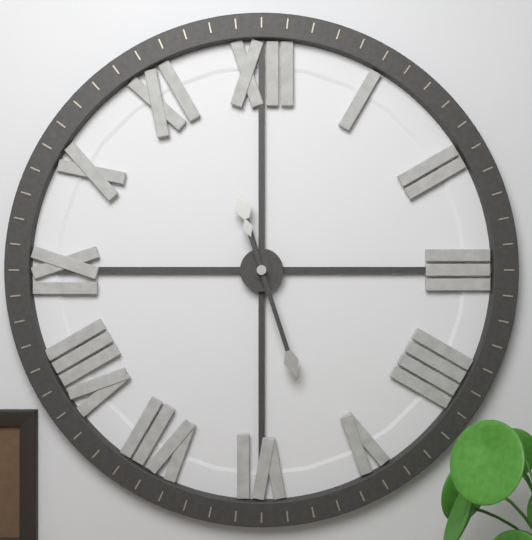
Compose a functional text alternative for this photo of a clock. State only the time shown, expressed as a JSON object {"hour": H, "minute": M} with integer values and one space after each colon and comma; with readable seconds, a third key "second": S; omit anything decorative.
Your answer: {"hour": 11, "minute": 27}
